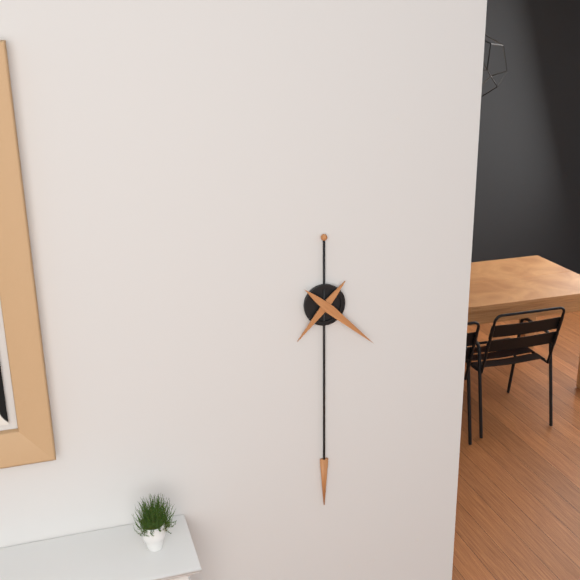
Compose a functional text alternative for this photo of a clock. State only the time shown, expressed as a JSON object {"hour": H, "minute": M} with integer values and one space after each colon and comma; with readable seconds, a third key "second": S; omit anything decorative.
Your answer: {"hour": 7, "minute": 22}
